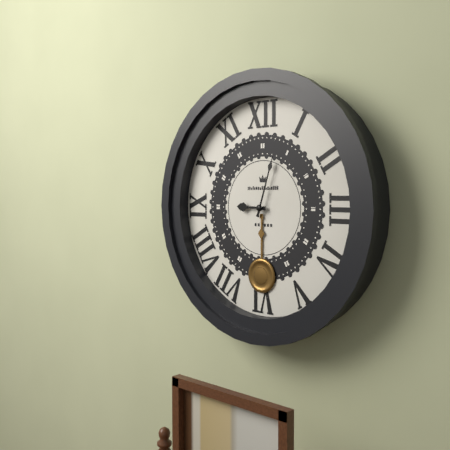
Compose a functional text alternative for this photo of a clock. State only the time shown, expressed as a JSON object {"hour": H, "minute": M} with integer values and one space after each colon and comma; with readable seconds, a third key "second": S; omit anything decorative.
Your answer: {"hour": 9, "minute": 3}
